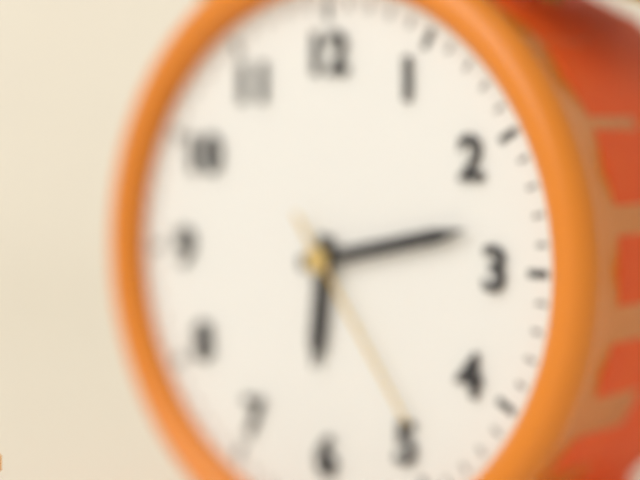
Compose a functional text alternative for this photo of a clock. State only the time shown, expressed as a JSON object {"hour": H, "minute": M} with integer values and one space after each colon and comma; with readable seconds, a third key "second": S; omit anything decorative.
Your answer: {"hour": 6, "minute": 13, "second": 24}
